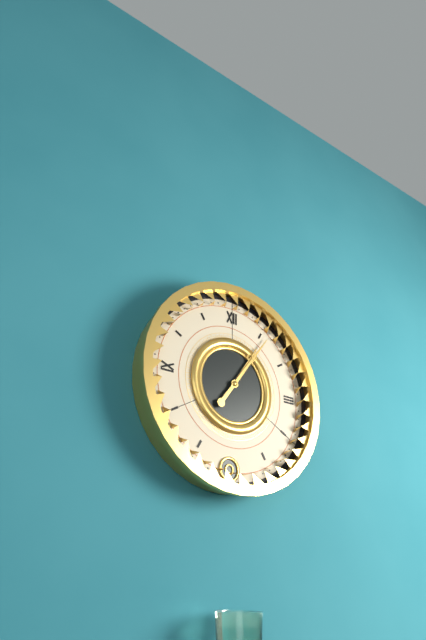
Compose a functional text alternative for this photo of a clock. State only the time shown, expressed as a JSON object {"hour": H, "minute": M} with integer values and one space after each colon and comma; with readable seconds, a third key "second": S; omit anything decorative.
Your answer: {"hour": 1, "minute": 6}
